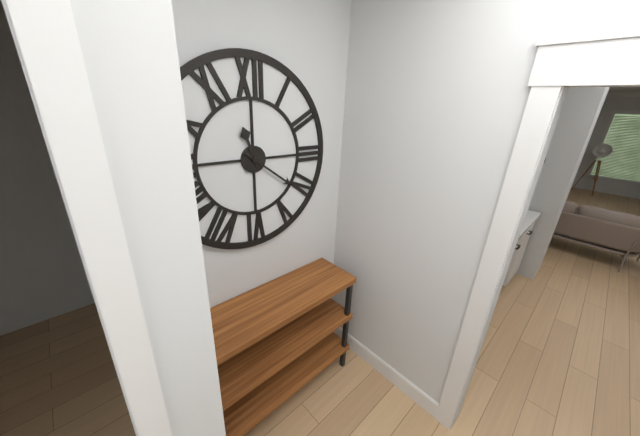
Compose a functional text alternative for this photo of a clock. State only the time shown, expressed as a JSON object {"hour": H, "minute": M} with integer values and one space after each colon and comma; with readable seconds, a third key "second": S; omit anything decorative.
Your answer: {"hour": 11, "minute": 21}
